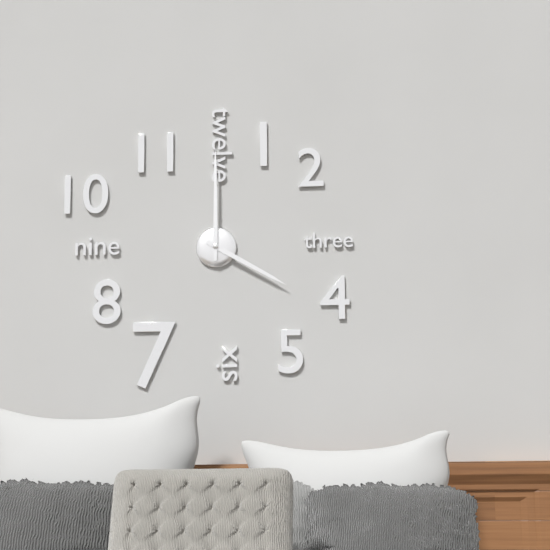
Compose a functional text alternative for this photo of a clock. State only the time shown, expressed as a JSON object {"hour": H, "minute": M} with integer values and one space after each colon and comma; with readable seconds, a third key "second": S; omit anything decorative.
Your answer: {"hour": 4, "minute": 0}
